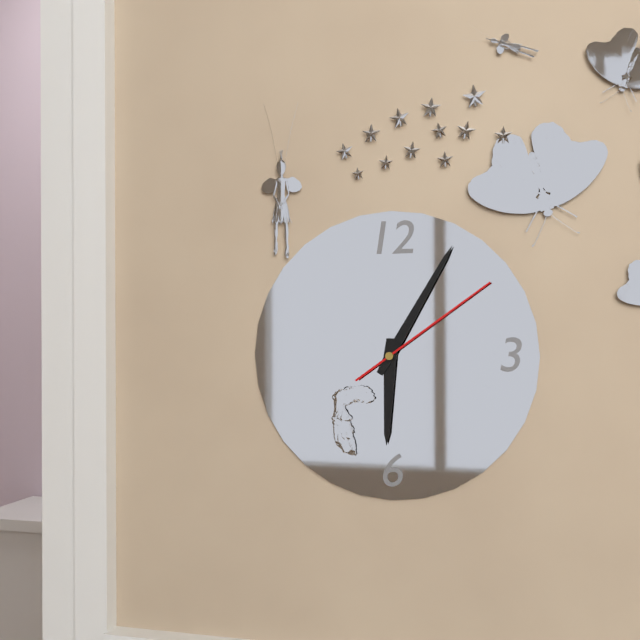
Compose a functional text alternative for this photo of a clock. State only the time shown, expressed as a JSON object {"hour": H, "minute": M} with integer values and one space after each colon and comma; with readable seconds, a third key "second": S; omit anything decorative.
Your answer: {"hour": 6, "minute": 5, "second": 9}
